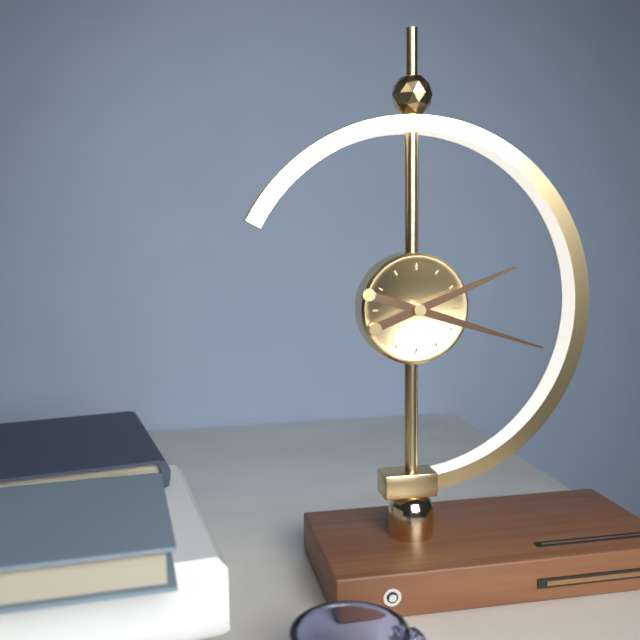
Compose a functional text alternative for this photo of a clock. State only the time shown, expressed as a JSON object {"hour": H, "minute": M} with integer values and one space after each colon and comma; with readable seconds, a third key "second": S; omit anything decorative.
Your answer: {"hour": 2, "minute": 18}
